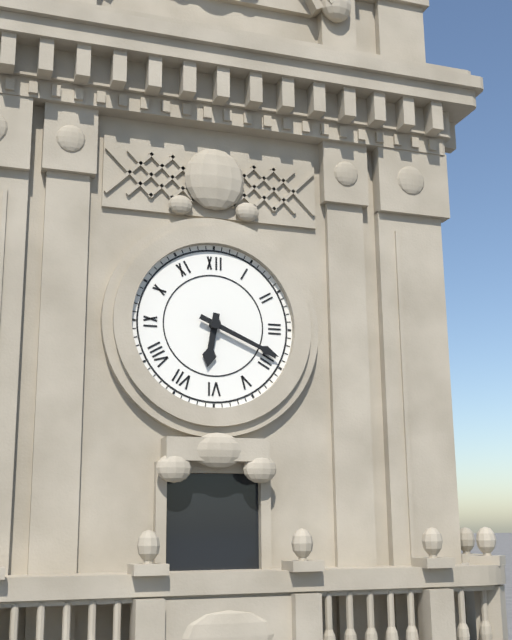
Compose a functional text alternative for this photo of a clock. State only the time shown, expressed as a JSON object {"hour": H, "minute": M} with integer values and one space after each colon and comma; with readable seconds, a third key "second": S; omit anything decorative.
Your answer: {"hour": 6, "minute": 19}
